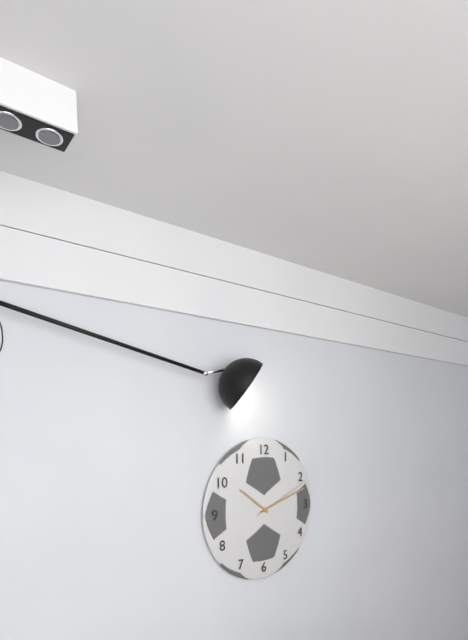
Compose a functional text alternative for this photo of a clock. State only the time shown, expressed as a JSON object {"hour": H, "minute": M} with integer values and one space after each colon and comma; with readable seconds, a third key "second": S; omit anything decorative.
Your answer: {"hour": 10, "minute": 12, "second": 11}
